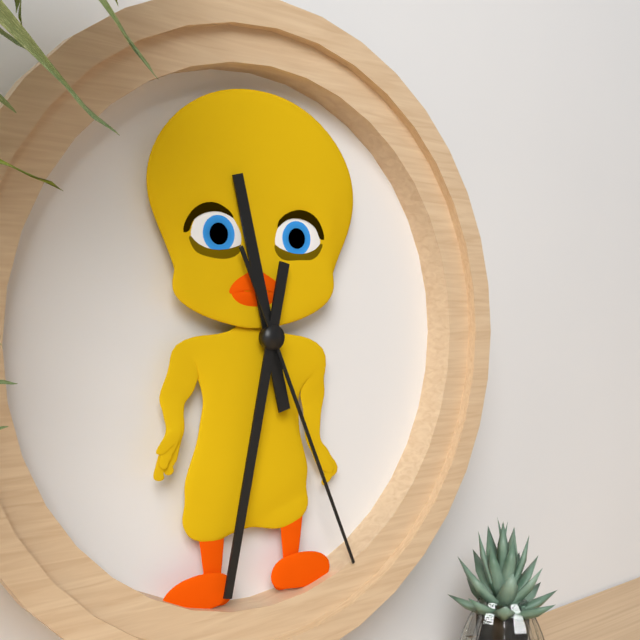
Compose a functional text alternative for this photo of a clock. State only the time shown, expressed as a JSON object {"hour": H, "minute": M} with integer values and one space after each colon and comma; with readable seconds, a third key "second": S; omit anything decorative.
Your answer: {"hour": 11, "minute": 32, "second": 26}
